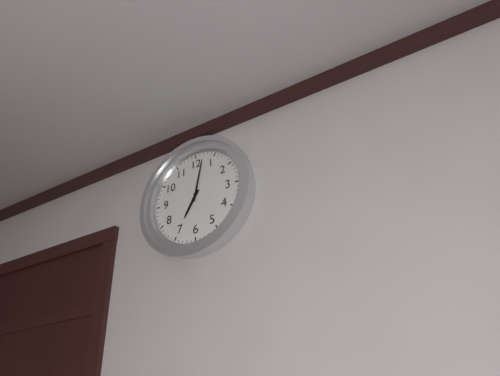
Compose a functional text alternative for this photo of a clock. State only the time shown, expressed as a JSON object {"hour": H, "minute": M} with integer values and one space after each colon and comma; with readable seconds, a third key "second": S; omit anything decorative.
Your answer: {"hour": 7, "minute": 2}
